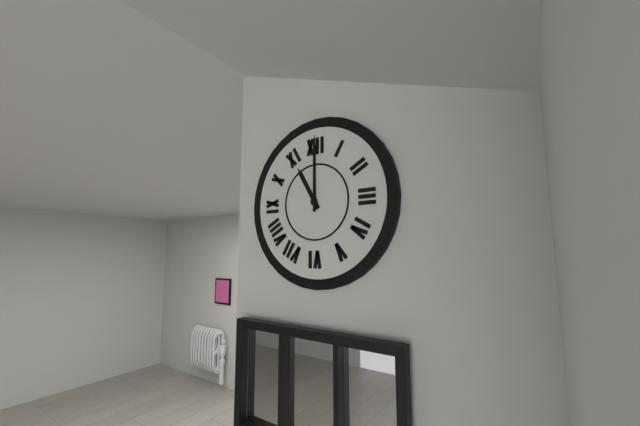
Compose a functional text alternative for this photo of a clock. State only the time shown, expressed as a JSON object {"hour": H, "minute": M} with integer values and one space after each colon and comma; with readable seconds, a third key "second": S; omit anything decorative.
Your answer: {"hour": 11, "minute": 0}
